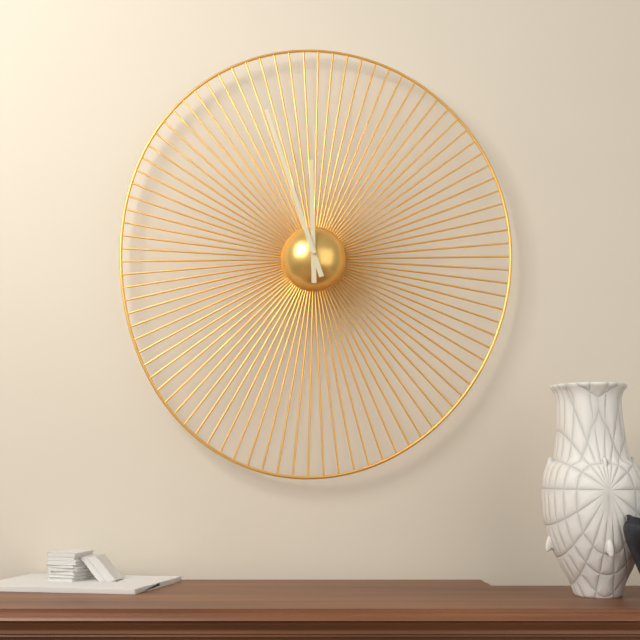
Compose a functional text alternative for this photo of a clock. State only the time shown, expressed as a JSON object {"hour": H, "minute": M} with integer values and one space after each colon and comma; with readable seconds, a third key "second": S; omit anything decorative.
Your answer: {"hour": 11, "minute": 57}
